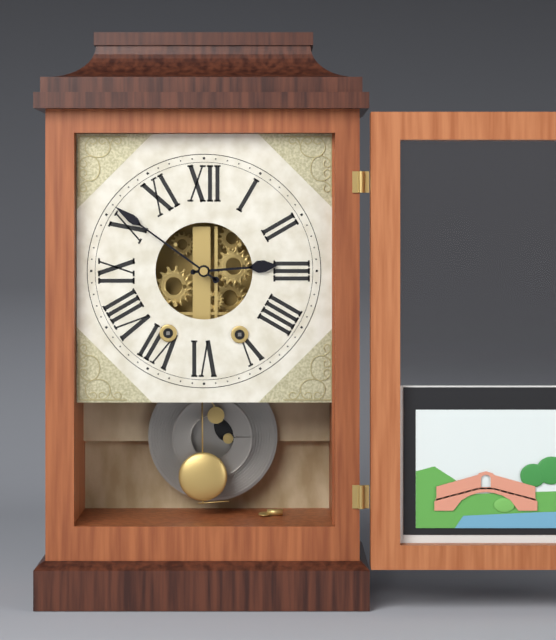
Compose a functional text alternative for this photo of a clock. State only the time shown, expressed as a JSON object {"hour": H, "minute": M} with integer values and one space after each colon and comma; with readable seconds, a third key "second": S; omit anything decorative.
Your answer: {"hour": 2, "minute": 51}
